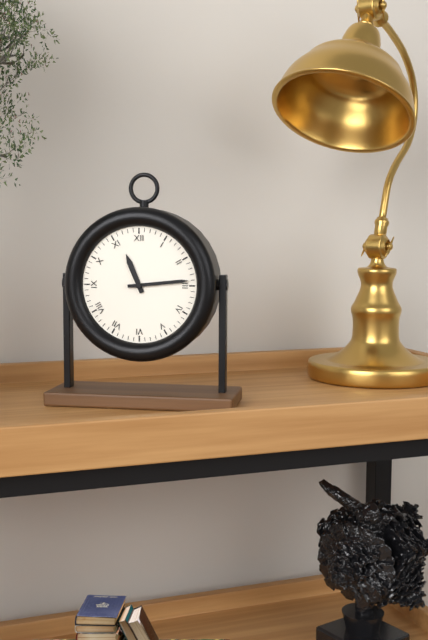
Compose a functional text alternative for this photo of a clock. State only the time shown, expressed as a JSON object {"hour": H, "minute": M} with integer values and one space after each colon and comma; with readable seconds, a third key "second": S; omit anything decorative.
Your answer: {"hour": 11, "minute": 14}
